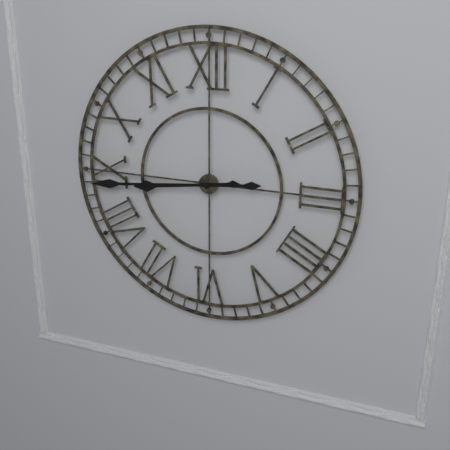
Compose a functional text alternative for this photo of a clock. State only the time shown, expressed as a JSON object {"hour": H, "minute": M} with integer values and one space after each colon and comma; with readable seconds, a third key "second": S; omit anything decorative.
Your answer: {"hour": 8, "minute": 44}
